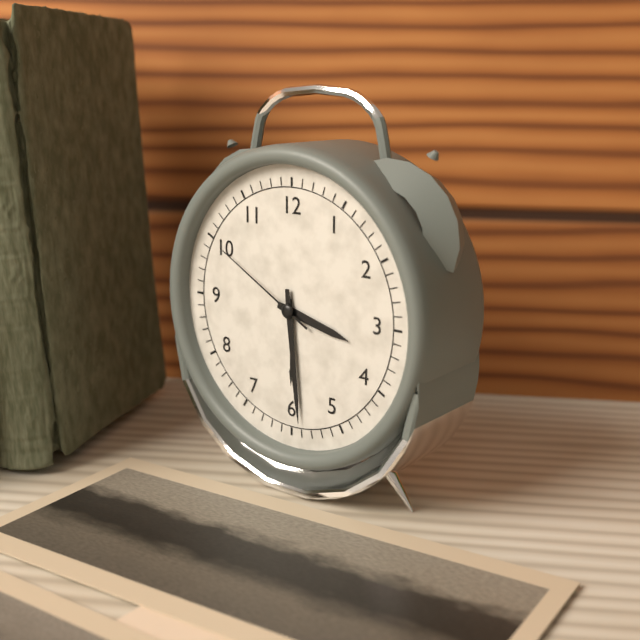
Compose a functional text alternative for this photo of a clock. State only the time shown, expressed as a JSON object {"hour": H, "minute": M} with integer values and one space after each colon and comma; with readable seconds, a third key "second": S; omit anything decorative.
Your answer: {"hour": 3, "minute": 29, "second": 50}
